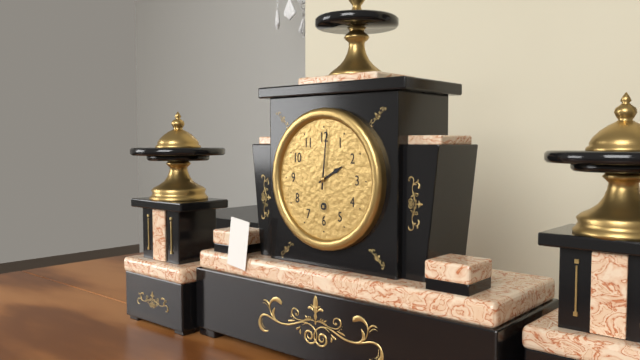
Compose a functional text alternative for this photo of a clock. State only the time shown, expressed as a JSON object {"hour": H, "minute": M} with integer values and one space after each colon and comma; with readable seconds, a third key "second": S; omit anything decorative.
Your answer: {"hour": 2, "minute": 1}
